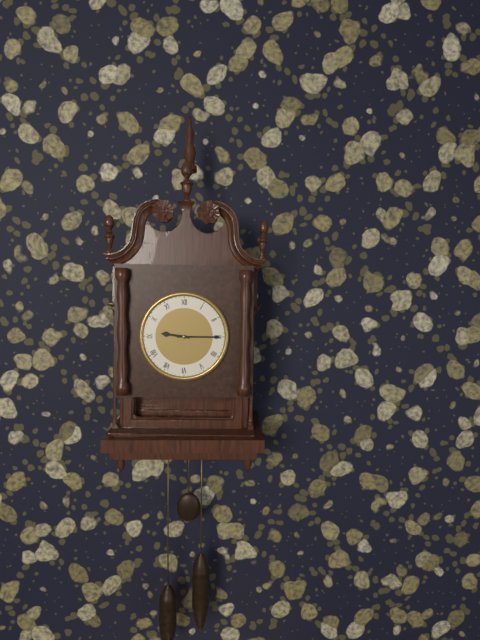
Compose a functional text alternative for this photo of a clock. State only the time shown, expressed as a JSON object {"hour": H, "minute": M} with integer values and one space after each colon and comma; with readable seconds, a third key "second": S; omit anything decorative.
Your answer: {"hour": 9, "minute": 15}
